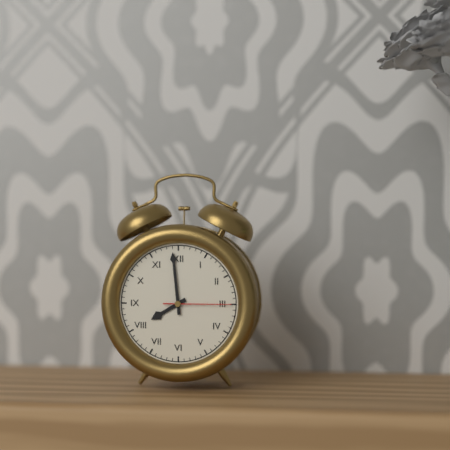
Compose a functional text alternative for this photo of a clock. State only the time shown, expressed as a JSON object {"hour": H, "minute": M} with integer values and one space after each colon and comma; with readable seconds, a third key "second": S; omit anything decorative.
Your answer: {"hour": 7, "minute": 59, "second": 15}
